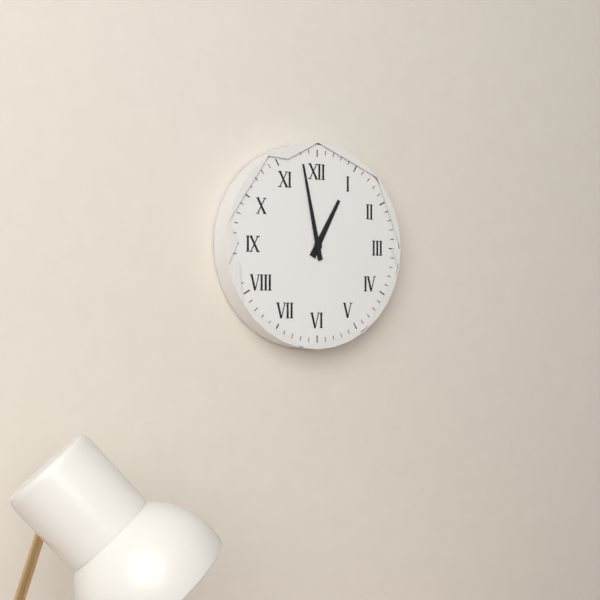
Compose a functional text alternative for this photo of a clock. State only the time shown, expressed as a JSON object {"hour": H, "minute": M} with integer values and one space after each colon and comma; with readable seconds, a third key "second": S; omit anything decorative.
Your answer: {"hour": 12, "minute": 58}
